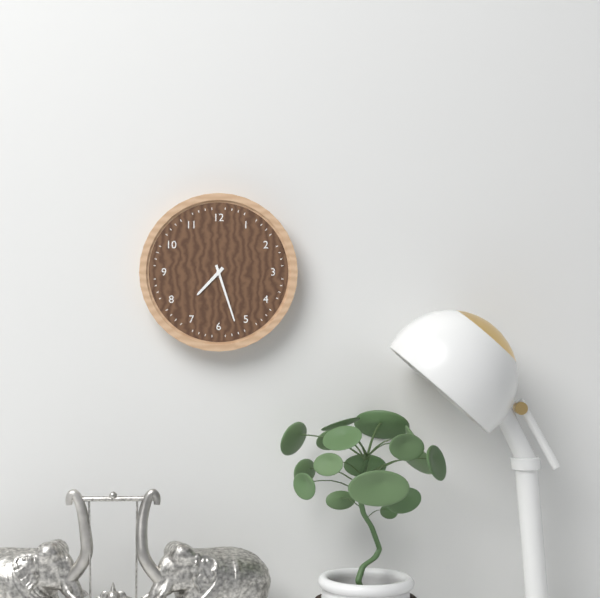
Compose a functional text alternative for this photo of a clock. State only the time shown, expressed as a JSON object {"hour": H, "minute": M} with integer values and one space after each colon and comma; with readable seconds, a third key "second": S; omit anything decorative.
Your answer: {"hour": 7, "minute": 27}
